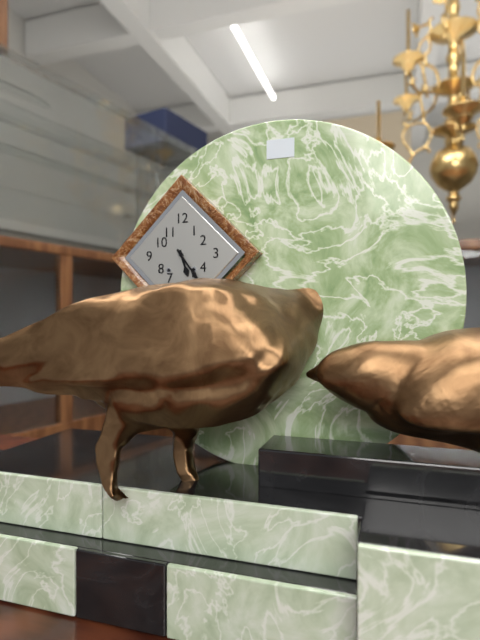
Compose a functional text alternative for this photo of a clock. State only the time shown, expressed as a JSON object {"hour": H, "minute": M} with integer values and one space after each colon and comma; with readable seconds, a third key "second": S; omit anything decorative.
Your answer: {"hour": 5, "minute": 24}
